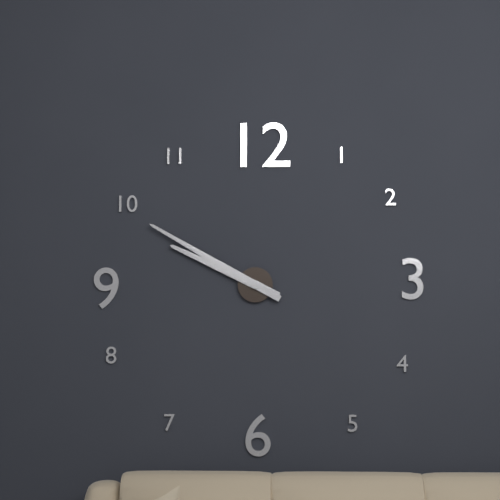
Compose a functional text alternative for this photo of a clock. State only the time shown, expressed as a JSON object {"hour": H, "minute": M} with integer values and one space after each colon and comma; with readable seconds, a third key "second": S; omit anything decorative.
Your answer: {"hour": 9, "minute": 50}
